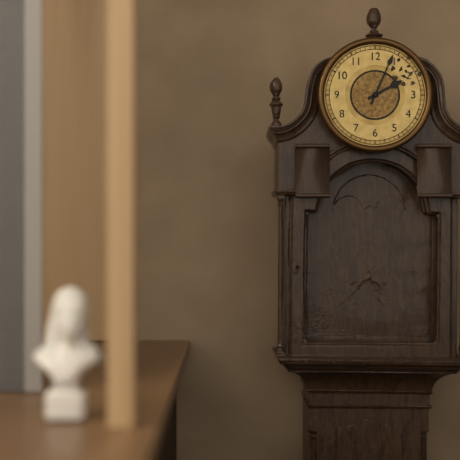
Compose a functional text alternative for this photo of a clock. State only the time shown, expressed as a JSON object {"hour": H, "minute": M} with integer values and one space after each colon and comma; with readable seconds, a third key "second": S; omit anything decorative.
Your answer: {"hour": 2, "minute": 4}
